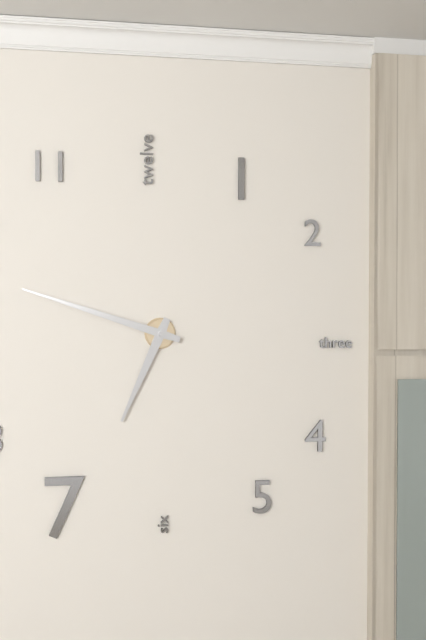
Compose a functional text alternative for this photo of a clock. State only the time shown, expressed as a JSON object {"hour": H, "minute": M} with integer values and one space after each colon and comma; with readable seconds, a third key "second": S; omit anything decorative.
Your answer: {"hour": 6, "minute": 48}
